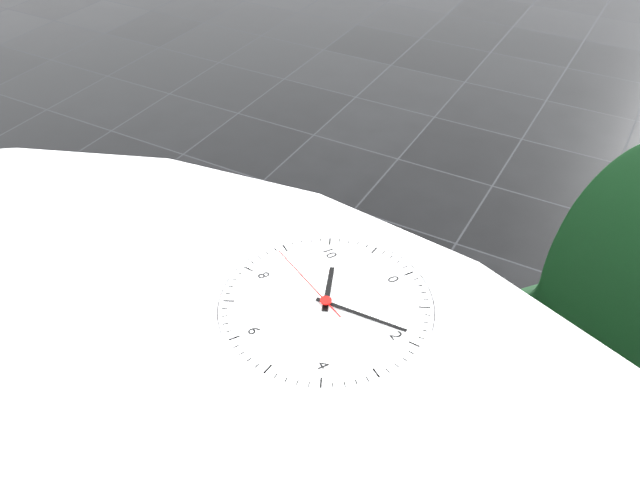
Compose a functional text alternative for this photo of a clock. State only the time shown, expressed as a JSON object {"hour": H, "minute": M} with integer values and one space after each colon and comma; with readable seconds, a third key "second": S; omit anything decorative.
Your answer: {"hour": 10, "minute": 9, "second": 44}
